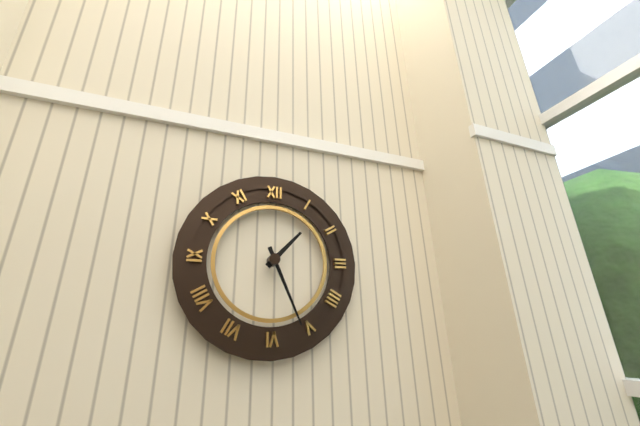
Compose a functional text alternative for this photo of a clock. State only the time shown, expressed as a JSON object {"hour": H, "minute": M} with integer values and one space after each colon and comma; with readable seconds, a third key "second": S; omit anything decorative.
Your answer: {"hour": 1, "minute": 26}
